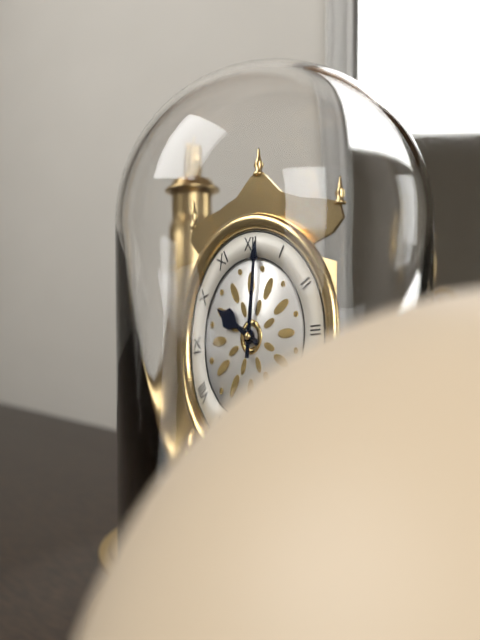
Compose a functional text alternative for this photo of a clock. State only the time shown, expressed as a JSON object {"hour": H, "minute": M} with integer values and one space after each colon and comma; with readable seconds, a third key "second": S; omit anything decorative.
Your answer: {"hour": 10, "minute": 1}
